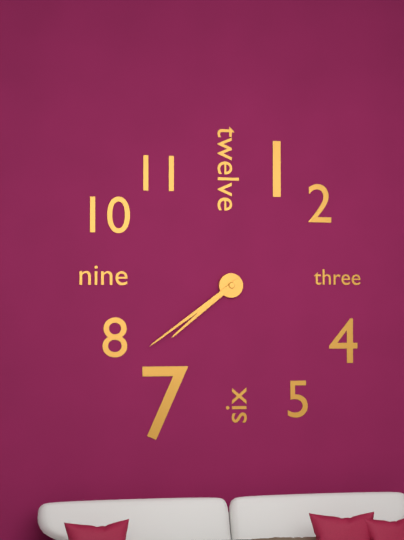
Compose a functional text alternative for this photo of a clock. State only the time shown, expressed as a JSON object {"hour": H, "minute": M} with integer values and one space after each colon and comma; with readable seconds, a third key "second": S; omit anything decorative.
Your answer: {"hour": 7, "minute": 39}
